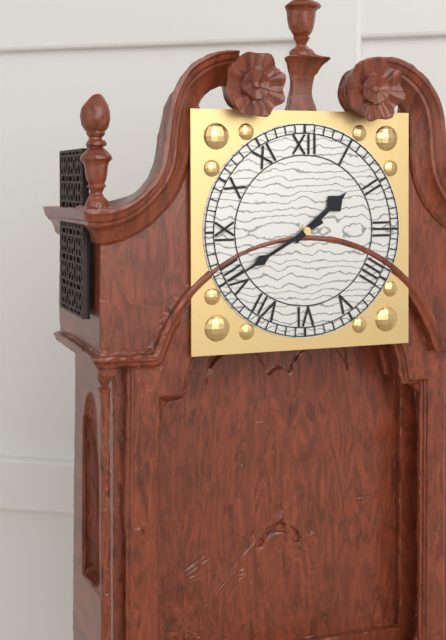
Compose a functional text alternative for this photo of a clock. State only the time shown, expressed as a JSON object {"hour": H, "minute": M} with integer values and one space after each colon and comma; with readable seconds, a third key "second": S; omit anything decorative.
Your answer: {"hour": 1, "minute": 40}
